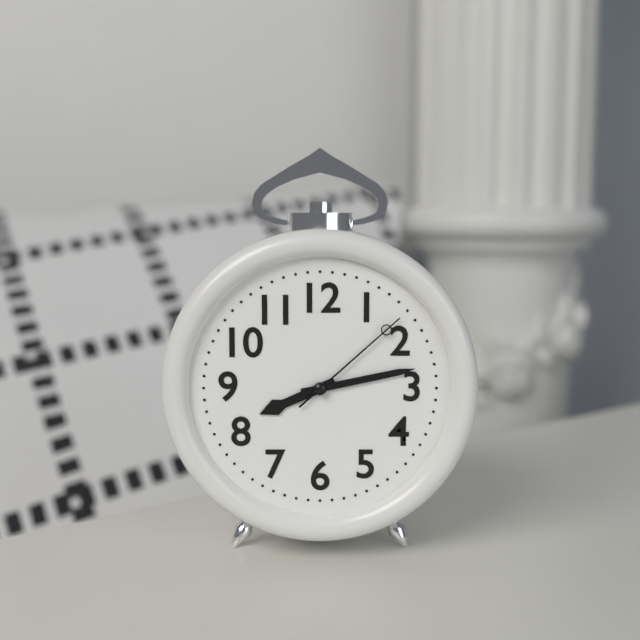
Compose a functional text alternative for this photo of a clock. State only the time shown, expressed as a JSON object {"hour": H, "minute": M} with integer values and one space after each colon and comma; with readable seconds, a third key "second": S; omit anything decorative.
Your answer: {"hour": 8, "minute": 13, "second": 8}
